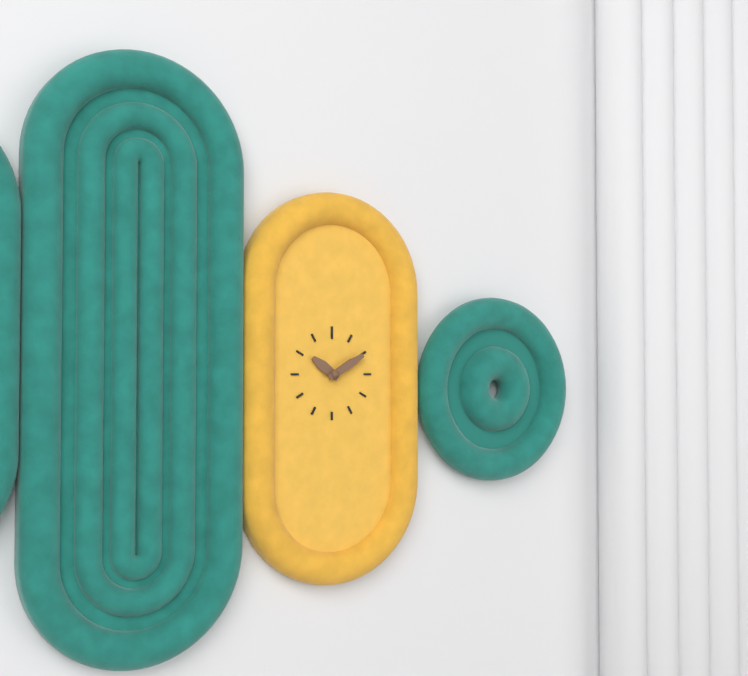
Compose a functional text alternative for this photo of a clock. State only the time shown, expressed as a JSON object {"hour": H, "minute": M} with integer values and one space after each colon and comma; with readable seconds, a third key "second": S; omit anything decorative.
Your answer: {"hour": 10, "minute": 10}
